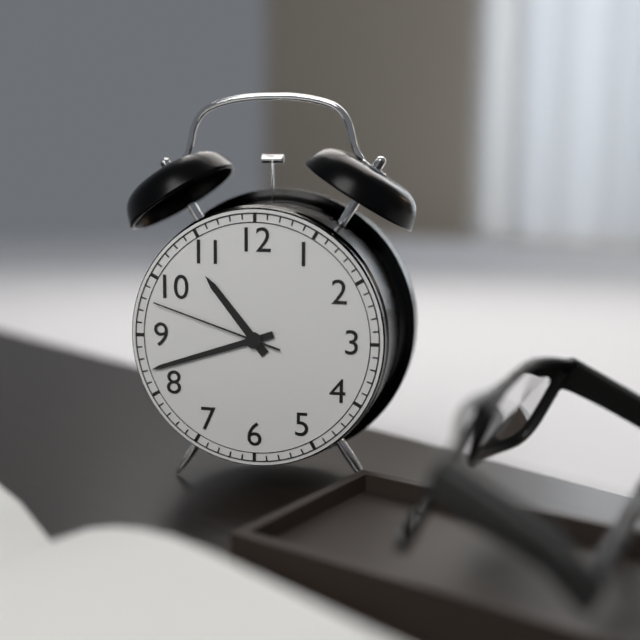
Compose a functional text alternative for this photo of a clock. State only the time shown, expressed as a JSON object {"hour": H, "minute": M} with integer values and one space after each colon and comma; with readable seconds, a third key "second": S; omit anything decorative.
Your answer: {"hour": 10, "minute": 42, "second": 48}
